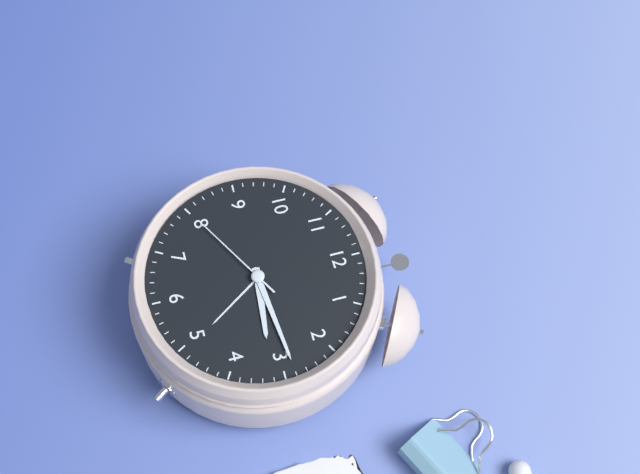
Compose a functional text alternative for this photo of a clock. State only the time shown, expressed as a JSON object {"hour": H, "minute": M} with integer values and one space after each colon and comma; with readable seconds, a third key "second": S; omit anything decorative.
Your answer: {"hour": 3, "minute": 14, "second": 40}
